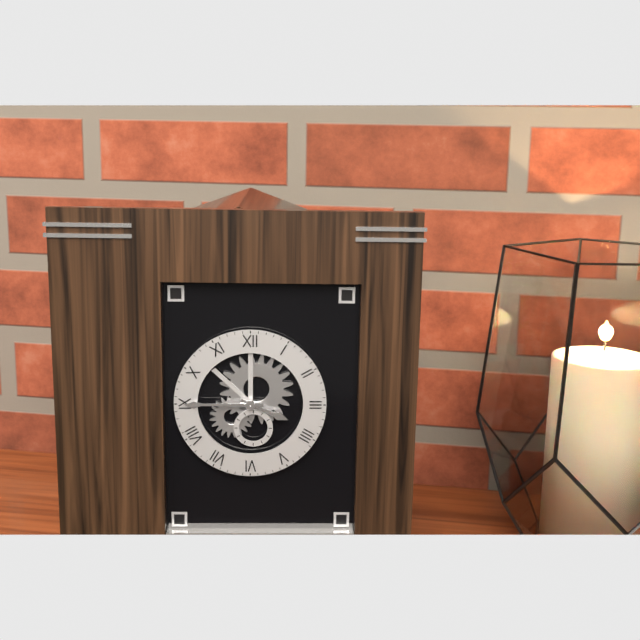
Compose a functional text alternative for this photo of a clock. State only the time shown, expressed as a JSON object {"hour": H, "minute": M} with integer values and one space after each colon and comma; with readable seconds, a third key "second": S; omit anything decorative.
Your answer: {"hour": 3, "minute": 45}
